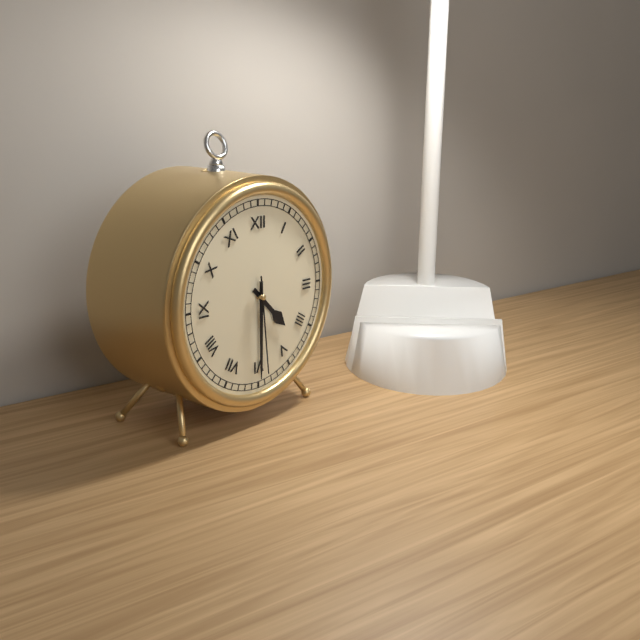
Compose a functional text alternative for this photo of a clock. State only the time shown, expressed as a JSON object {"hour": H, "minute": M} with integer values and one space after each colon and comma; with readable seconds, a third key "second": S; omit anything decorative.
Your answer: {"hour": 4, "minute": 30, "second": 29}
